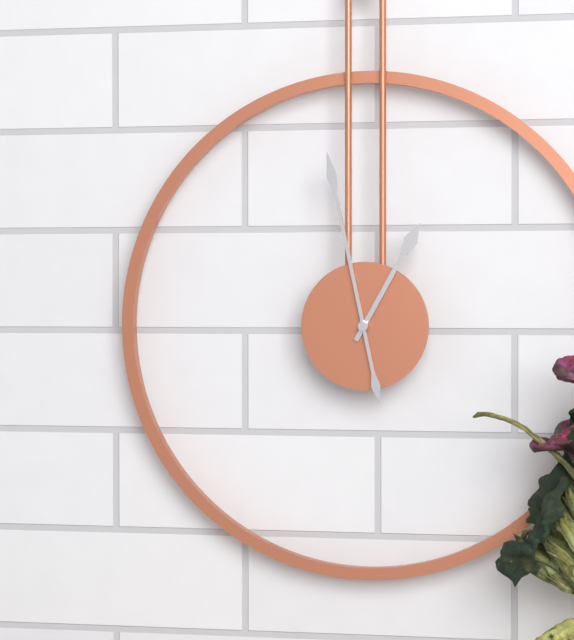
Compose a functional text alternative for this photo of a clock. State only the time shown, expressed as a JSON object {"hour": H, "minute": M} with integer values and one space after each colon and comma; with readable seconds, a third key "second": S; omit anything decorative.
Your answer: {"hour": 12, "minute": 58}
